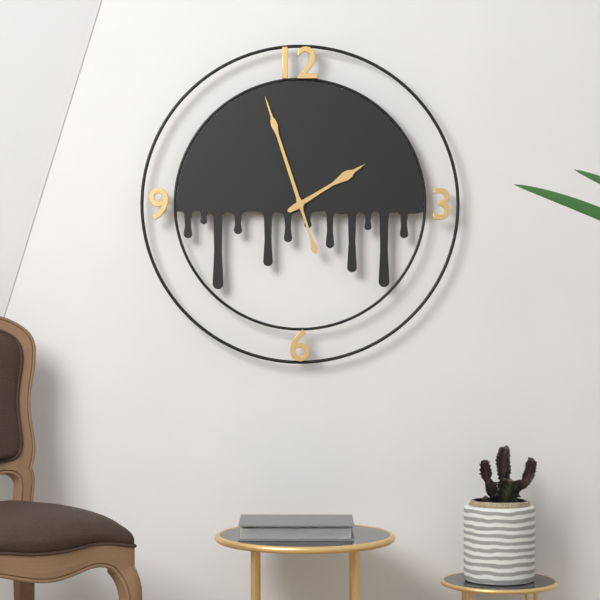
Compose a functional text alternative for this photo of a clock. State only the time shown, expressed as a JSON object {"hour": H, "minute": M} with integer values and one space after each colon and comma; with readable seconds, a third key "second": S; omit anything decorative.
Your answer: {"hour": 1, "minute": 57}
